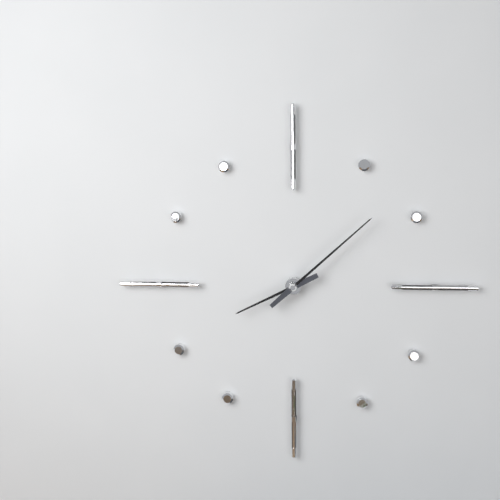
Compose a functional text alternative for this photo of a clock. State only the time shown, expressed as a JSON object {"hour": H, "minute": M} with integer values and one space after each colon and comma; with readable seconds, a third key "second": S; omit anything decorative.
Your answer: {"hour": 8, "minute": 8}
